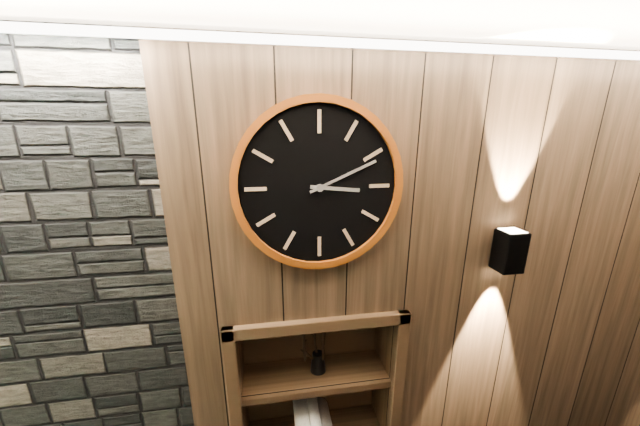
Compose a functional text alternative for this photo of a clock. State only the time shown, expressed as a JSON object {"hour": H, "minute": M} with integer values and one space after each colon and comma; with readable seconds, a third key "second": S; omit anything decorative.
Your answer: {"hour": 3, "minute": 11}
